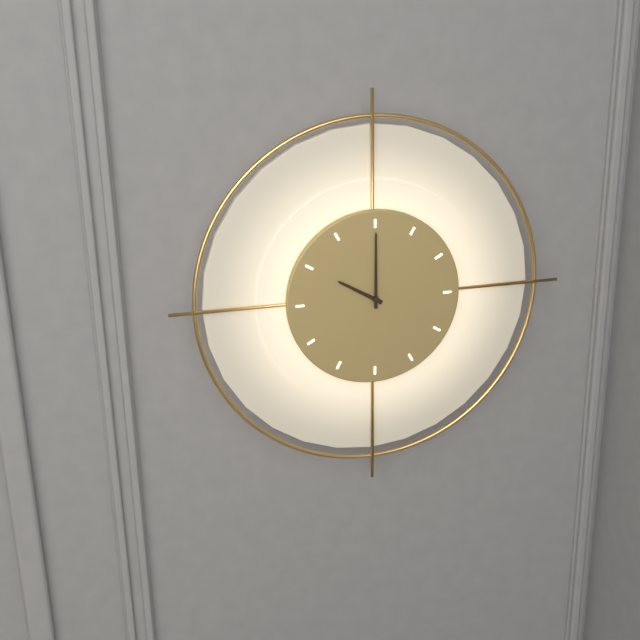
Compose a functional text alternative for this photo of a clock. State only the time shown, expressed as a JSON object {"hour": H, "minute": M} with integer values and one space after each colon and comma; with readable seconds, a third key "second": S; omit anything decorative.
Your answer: {"hour": 10, "minute": 0}
